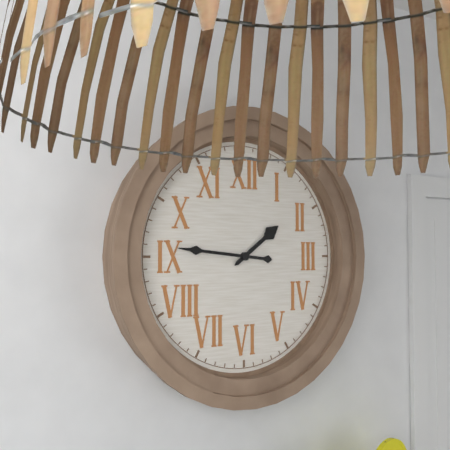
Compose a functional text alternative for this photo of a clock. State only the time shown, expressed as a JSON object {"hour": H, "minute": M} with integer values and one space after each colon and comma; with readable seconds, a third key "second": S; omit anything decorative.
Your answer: {"hour": 1, "minute": 46}
